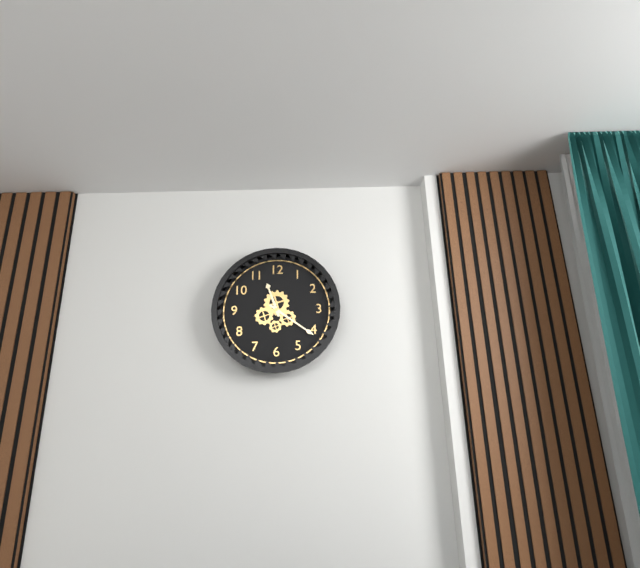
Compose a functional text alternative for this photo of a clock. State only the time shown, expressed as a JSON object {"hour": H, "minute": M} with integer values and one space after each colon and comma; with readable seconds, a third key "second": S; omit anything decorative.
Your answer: {"hour": 11, "minute": 21}
